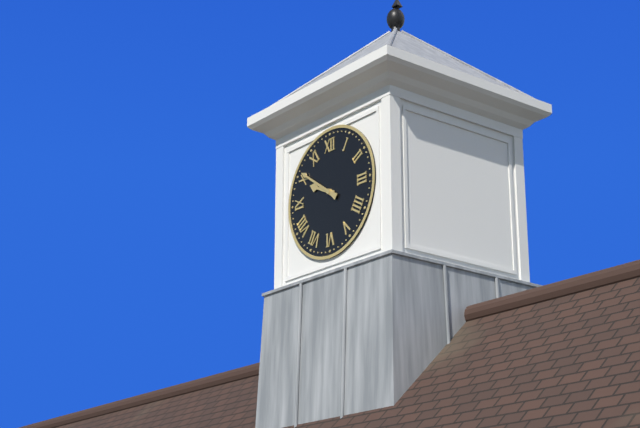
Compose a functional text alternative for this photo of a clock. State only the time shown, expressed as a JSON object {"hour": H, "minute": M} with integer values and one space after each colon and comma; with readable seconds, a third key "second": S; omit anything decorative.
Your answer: {"hour": 9, "minute": 51}
